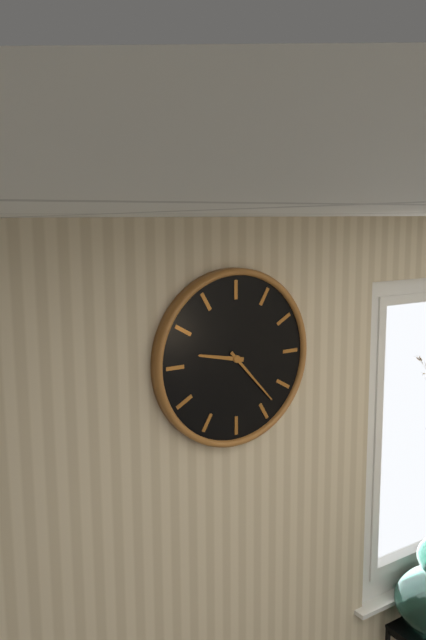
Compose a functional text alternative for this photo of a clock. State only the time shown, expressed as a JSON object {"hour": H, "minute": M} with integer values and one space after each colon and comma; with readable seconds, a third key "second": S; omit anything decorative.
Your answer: {"hour": 9, "minute": 23}
